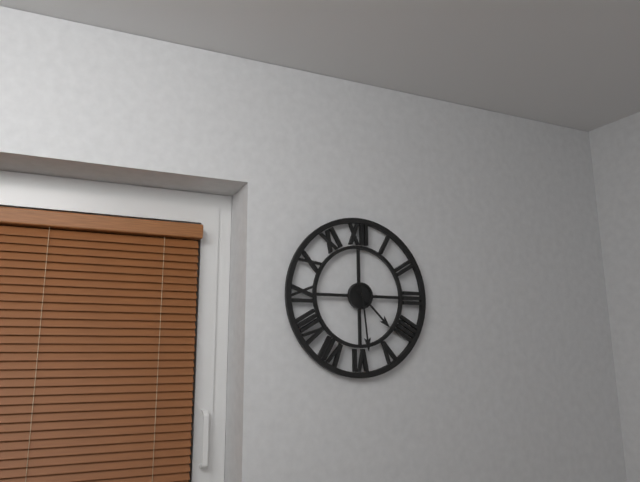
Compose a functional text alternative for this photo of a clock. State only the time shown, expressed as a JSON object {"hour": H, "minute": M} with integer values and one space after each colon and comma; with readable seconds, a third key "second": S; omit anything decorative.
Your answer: {"hour": 4, "minute": 29}
